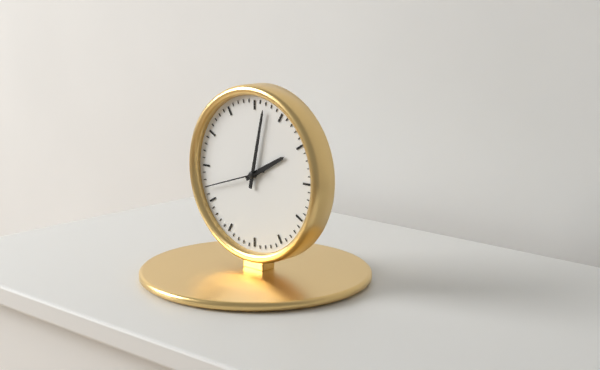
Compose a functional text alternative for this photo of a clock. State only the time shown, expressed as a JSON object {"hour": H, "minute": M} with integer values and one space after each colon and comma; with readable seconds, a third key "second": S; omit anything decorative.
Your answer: {"hour": 2, "minute": 2, "second": 42}
